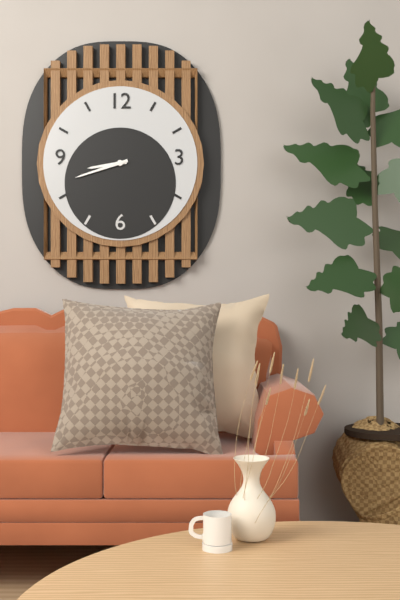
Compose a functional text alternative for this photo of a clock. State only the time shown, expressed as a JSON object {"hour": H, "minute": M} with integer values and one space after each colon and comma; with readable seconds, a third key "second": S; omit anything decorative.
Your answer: {"hour": 8, "minute": 42}
